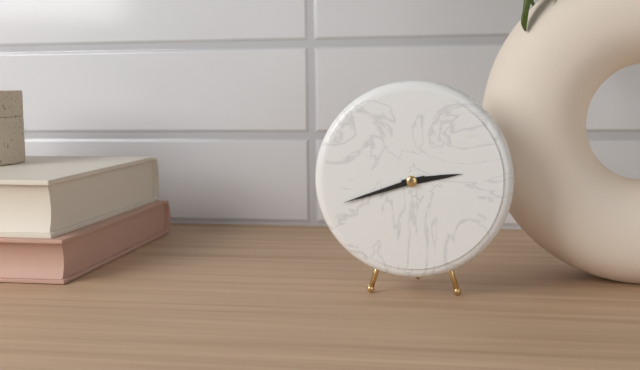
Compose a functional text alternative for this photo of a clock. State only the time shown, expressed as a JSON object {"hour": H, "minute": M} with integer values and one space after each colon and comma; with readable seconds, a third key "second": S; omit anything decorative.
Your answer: {"hour": 2, "minute": 42}
